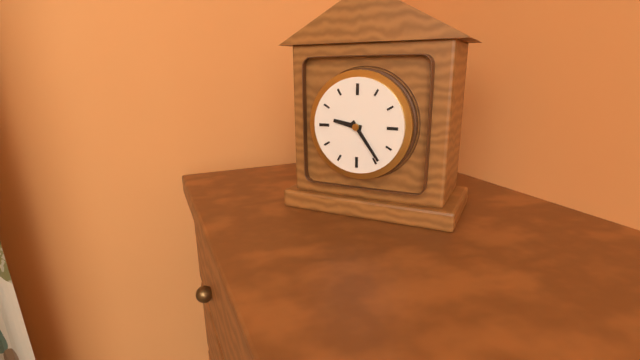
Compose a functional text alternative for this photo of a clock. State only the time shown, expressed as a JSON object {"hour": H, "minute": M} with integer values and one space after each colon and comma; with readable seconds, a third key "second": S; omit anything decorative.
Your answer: {"hour": 9, "minute": 24}
